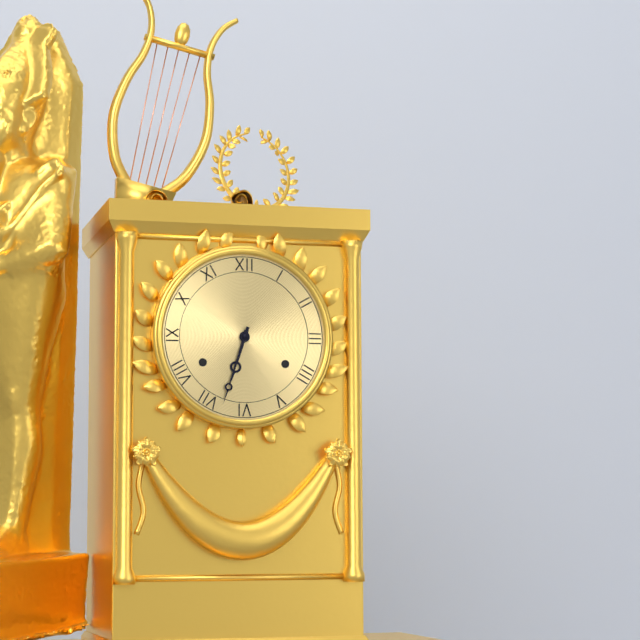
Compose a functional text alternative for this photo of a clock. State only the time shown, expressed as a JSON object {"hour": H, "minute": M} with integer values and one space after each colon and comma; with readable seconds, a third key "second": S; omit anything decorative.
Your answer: {"hour": 6, "minute": 33}
